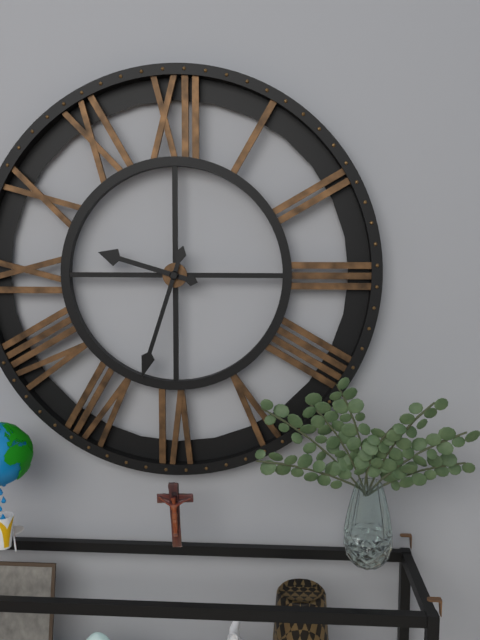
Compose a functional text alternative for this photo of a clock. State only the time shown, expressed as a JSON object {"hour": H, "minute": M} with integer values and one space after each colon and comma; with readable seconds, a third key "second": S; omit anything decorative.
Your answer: {"hour": 9, "minute": 33}
